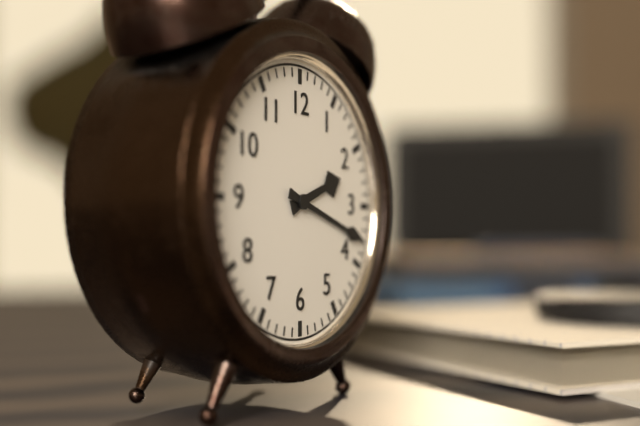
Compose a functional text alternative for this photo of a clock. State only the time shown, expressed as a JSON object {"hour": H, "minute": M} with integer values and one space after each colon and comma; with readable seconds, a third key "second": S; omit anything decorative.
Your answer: {"hour": 2, "minute": 18}
